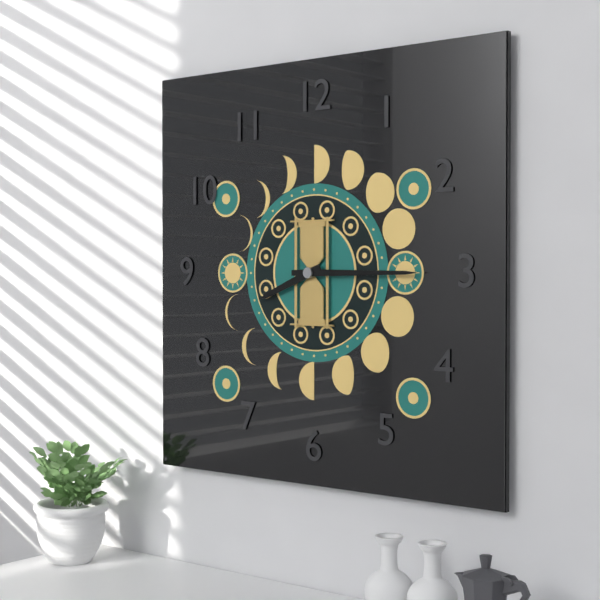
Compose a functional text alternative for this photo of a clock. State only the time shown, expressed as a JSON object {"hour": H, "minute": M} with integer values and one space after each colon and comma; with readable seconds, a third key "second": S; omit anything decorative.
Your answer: {"hour": 8, "minute": 15}
